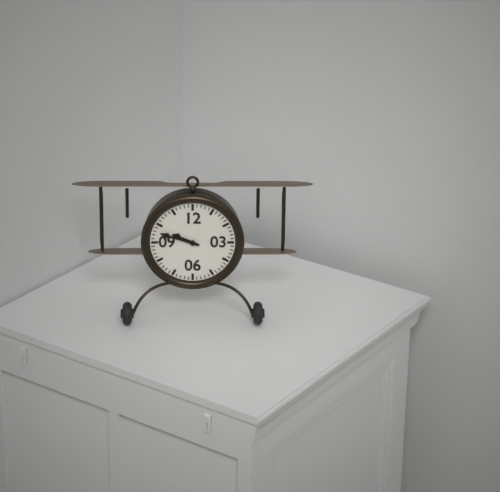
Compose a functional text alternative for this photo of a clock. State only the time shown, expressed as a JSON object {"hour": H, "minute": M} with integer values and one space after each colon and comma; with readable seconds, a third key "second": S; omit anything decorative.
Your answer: {"hour": 9, "minute": 48}
